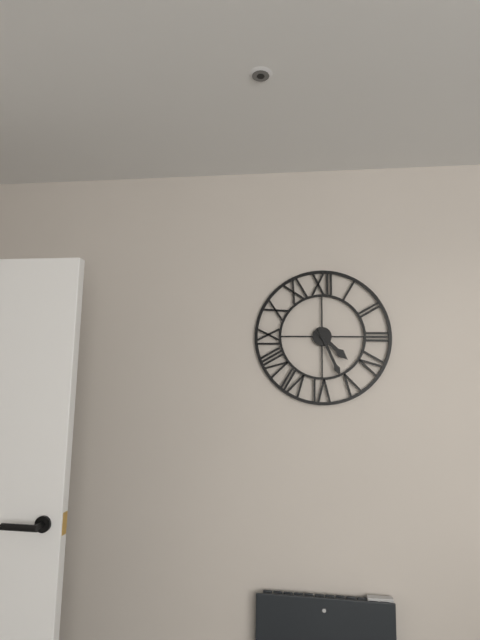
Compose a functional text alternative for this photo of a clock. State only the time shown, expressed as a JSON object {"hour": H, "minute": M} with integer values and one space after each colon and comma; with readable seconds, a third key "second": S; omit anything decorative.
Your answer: {"hour": 4, "minute": 26}
